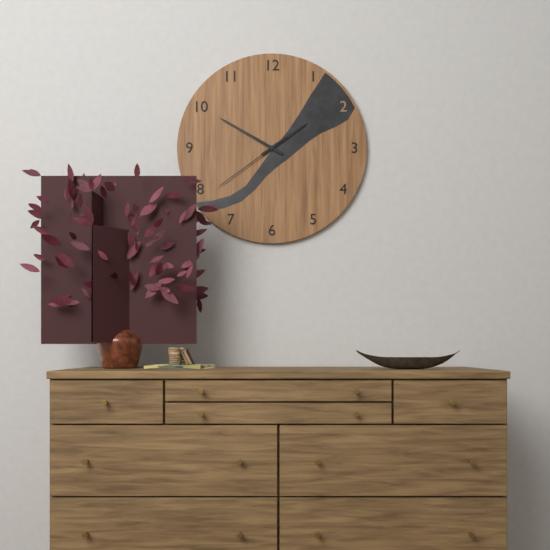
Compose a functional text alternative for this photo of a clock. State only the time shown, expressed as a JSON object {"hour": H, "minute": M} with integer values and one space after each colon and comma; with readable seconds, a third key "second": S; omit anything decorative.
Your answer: {"hour": 1, "minute": 50, "second": 39}
